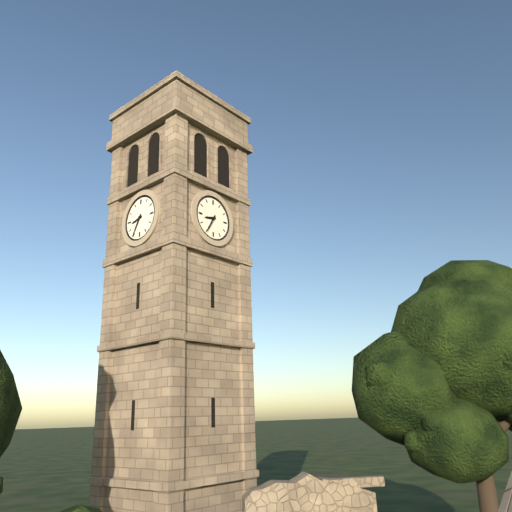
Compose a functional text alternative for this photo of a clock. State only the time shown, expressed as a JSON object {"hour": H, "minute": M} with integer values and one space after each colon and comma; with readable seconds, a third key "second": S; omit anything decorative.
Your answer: {"hour": 8, "minute": 35}
